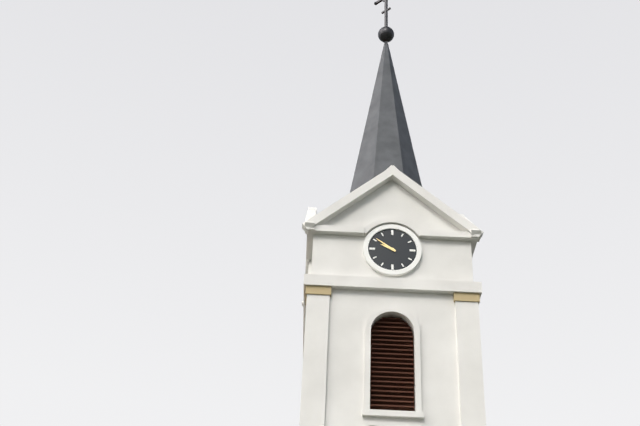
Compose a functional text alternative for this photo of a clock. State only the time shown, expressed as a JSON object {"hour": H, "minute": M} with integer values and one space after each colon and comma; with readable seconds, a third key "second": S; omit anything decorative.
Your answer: {"hour": 9, "minute": 51}
